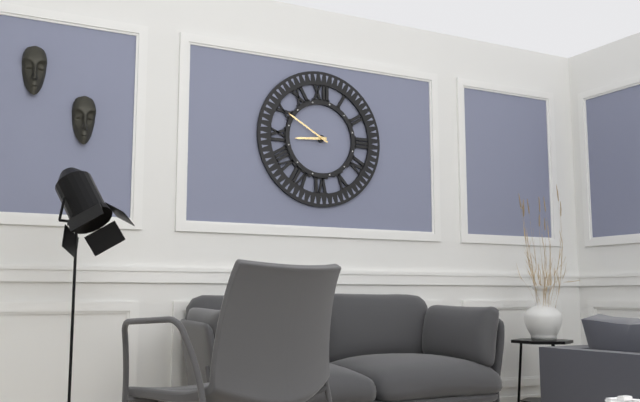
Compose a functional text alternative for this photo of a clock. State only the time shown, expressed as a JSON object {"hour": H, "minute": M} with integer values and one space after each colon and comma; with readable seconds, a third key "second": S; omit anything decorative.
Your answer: {"hour": 8, "minute": 50}
